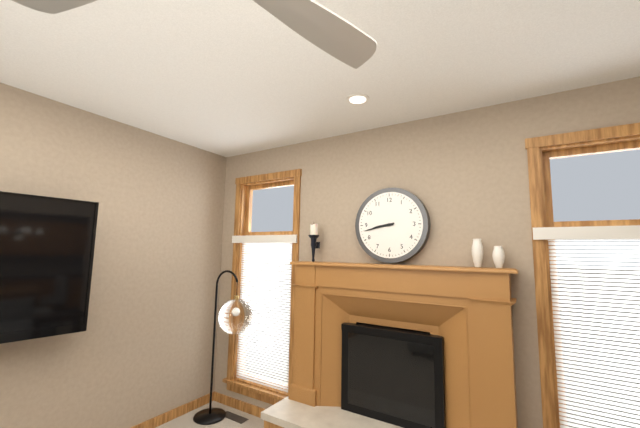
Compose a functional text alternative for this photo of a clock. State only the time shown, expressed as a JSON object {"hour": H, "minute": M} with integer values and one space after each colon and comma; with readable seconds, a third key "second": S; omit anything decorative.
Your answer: {"hour": 8, "minute": 43}
